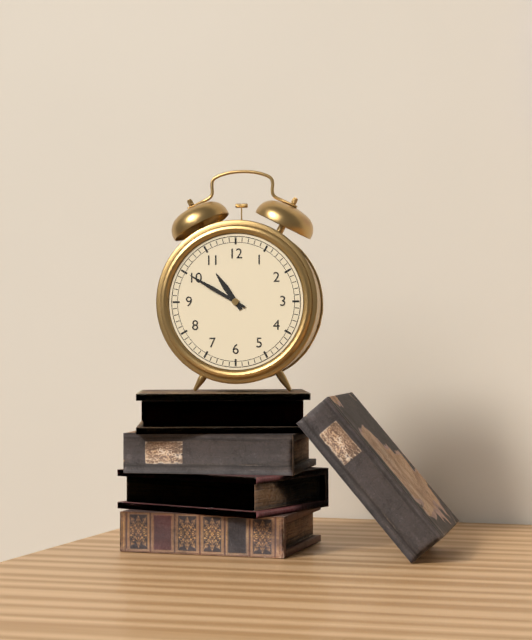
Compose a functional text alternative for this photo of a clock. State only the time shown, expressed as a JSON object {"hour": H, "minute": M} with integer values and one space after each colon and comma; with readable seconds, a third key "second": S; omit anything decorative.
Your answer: {"hour": 10, "minute": 50}
